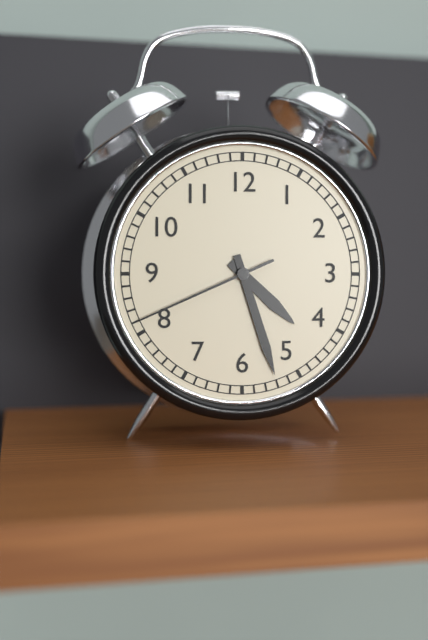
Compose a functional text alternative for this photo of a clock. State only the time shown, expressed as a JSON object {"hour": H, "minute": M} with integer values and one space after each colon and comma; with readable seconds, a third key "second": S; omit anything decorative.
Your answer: {"hour": 4, "minute": 27, "second": 41}
